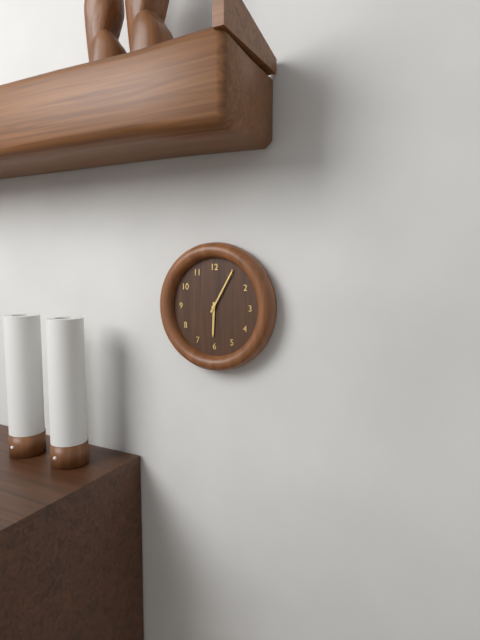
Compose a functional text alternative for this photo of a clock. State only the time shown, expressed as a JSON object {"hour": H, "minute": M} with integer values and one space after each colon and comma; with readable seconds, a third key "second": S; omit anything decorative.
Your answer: {"hour": 6, "minute": 5}
